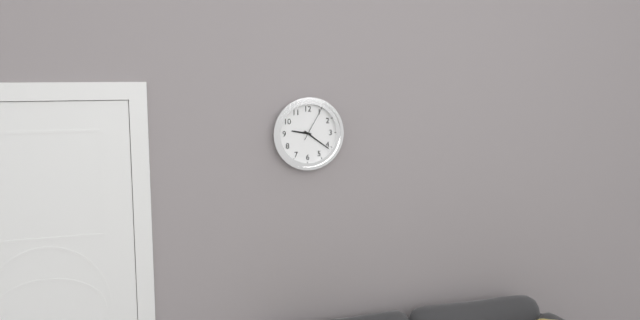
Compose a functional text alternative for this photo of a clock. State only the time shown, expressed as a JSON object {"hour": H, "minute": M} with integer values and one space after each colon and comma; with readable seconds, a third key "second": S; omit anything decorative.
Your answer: {"hour": 9, "minute": 21}
